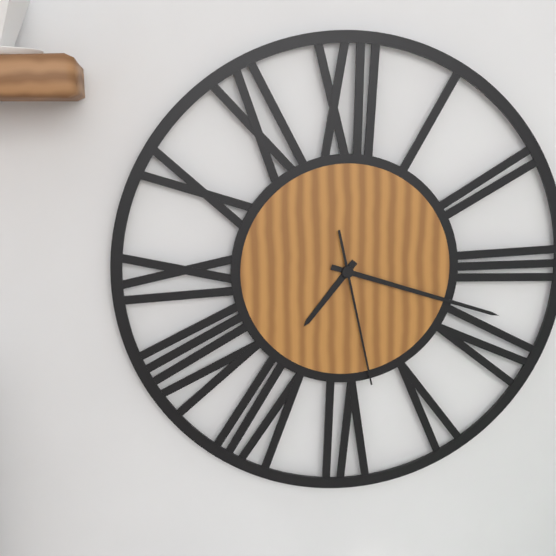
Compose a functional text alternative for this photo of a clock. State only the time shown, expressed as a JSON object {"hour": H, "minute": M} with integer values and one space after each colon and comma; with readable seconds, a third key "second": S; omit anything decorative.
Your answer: {"hour": 7, "minute": 18, "second": 28}
